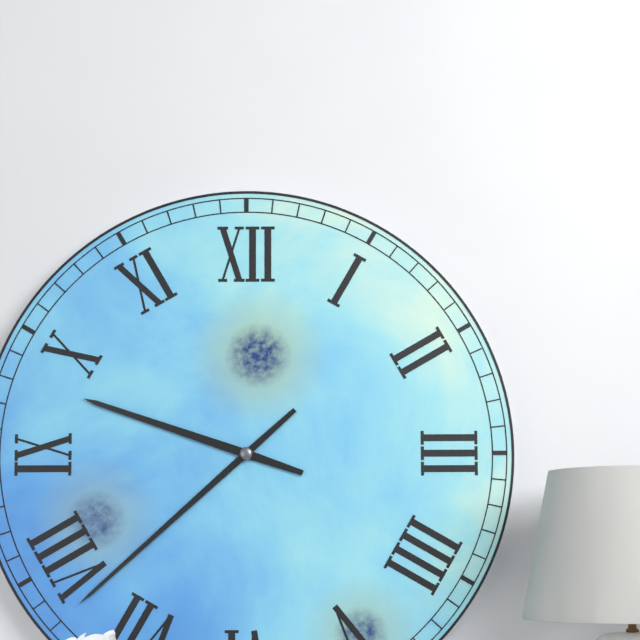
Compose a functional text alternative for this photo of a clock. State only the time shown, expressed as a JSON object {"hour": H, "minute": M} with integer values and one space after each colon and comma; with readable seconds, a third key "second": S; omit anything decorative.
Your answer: {"hour": 9, "minute": 38}
